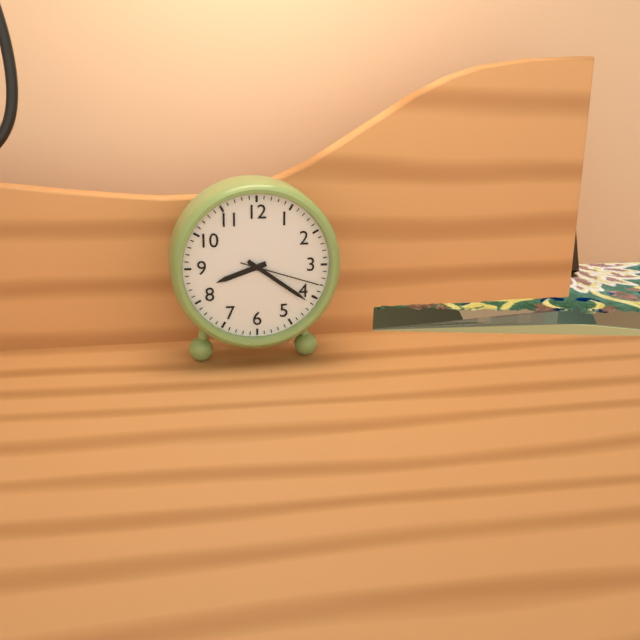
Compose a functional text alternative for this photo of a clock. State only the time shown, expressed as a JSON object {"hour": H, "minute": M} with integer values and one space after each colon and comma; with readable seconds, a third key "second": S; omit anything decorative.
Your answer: {"hour": 8, "minute": 21, "second": 18}
